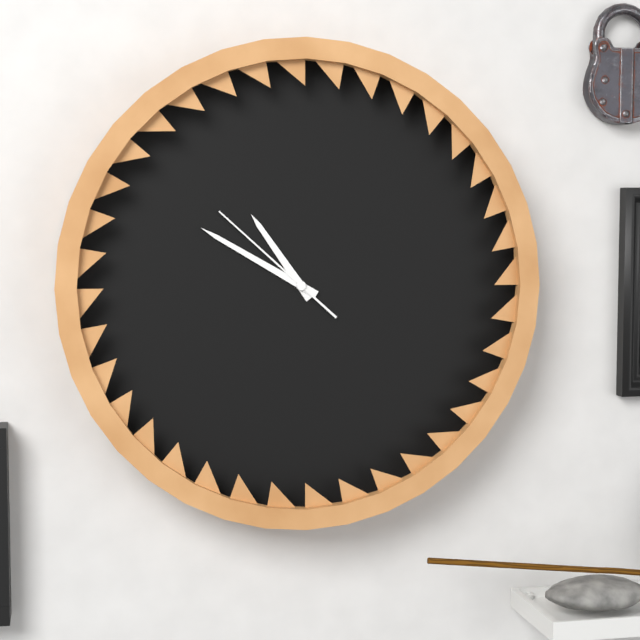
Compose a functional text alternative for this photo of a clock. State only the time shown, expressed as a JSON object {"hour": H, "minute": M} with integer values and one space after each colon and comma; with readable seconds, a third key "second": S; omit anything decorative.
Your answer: {"hour": 10, "minute": 50, "second": 52}
